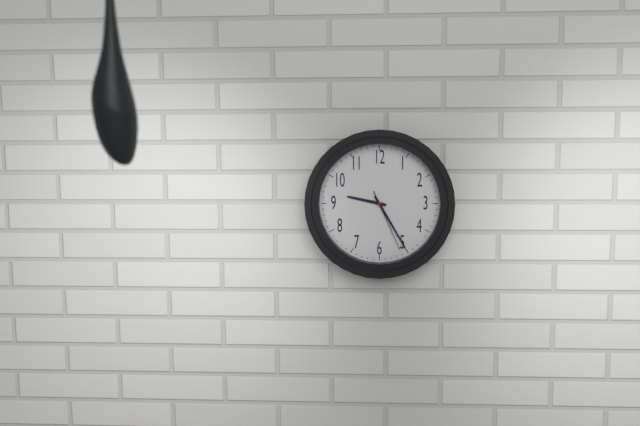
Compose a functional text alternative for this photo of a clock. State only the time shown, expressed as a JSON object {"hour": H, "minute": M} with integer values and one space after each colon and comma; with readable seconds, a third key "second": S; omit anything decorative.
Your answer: {"hour": 9, "minute": 25, "second": 26}
